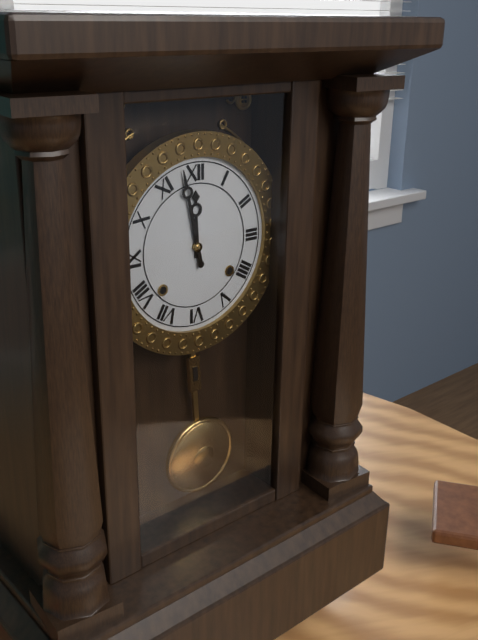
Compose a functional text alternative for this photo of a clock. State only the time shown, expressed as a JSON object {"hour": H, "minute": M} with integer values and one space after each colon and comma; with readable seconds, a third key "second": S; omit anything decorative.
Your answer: {"hour": 11, "minute": 58}
